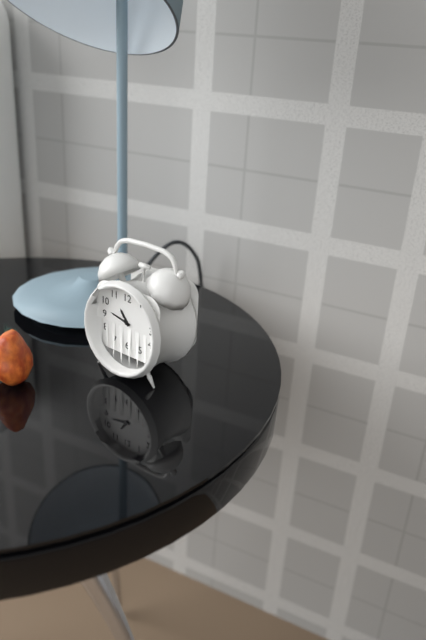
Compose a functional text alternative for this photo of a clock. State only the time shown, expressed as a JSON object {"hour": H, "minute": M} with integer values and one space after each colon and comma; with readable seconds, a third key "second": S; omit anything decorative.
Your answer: {"hour": 10, "minute": 47}
